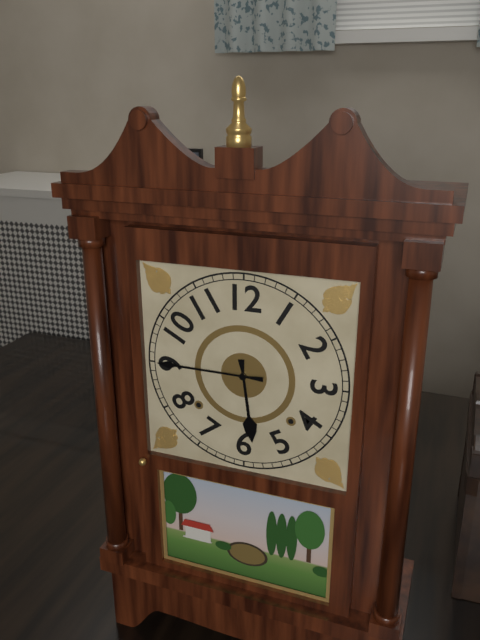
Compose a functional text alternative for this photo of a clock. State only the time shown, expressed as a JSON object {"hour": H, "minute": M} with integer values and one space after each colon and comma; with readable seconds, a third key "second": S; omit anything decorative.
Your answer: {"hour": 5, "minute": 45}
